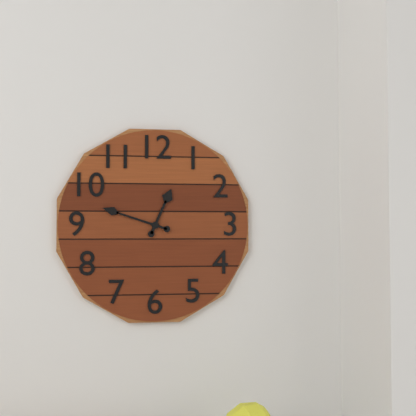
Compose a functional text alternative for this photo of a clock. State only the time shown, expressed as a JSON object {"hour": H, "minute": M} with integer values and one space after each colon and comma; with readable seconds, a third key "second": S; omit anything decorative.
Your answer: {"hour": 12, "minute": 48}
